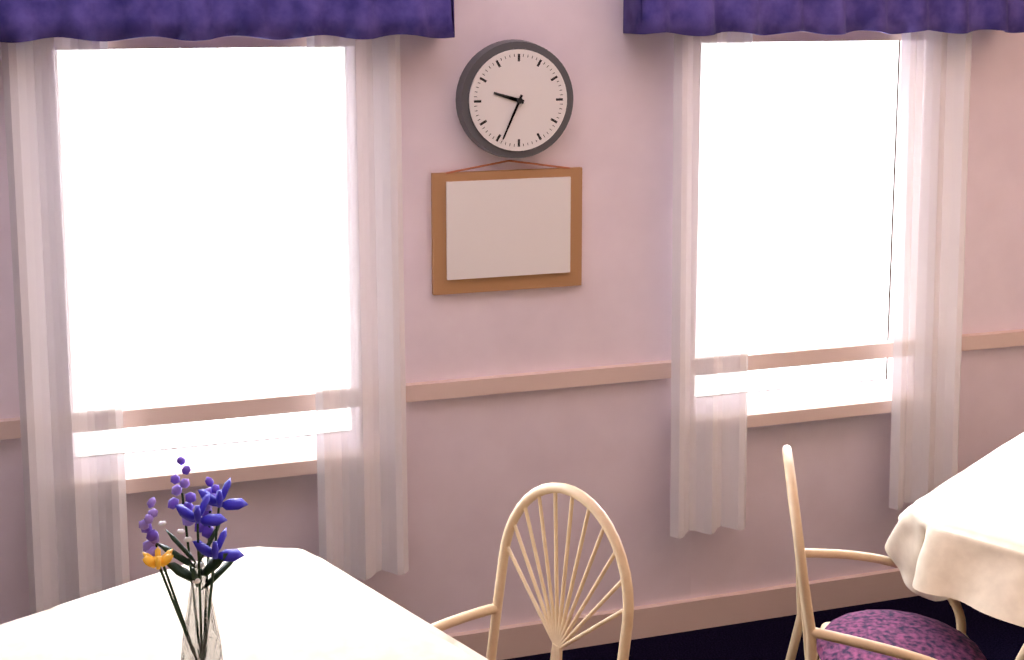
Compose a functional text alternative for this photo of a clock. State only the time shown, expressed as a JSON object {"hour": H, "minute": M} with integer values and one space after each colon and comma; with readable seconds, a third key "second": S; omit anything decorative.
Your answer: {"hour": 9, "minute": 34}
